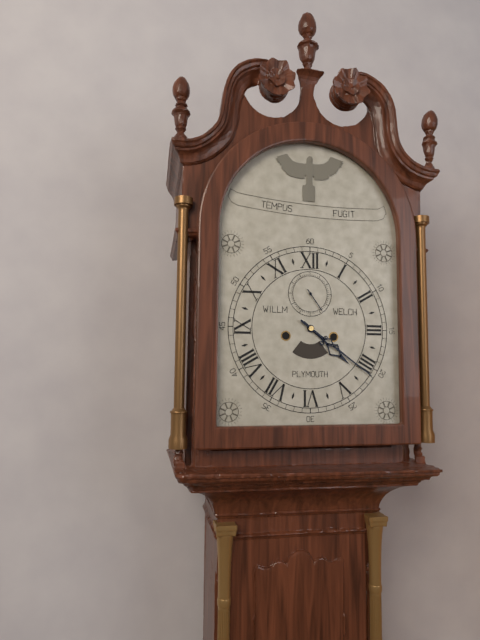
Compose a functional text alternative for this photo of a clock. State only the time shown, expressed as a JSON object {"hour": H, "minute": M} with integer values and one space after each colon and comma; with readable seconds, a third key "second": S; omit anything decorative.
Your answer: {"hour": 4, "minute": 21}
